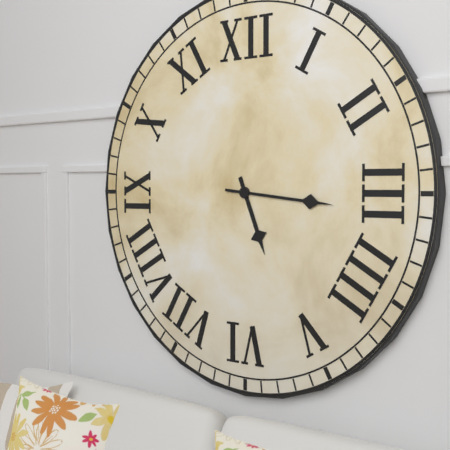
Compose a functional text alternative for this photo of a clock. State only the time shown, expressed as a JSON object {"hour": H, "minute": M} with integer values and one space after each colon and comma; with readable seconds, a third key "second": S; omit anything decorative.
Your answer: {"hour": 5, "minute": 16}
